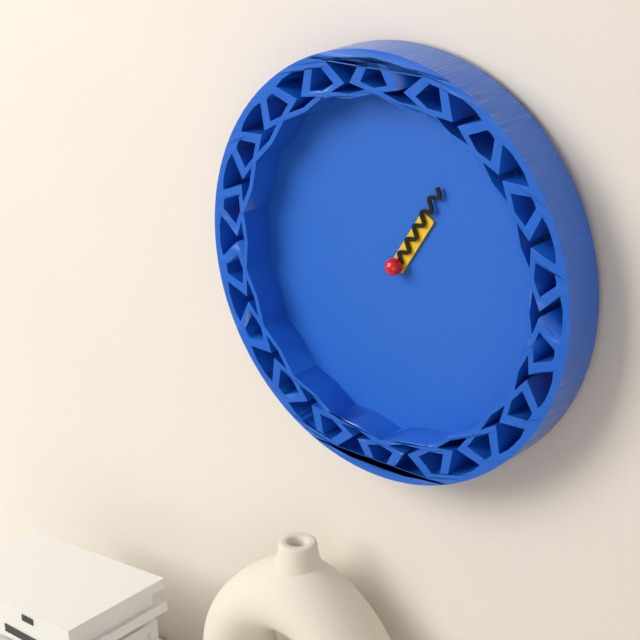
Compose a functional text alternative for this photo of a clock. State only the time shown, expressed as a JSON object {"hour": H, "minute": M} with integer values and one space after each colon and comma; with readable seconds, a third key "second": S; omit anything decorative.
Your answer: {"hour": 1, "minute": 5}
